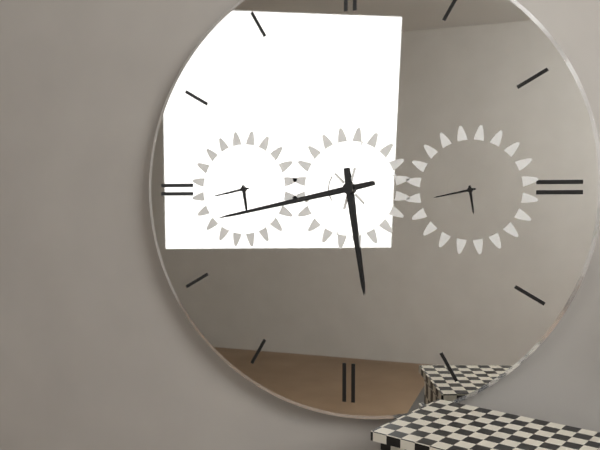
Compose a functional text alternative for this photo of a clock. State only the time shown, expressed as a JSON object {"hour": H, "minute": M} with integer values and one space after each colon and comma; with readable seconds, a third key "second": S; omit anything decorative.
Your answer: {"hour": 5, "minute": 43}
